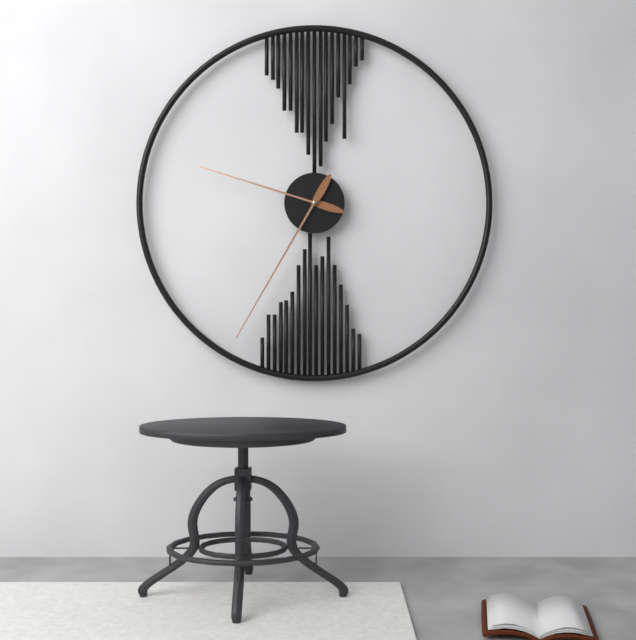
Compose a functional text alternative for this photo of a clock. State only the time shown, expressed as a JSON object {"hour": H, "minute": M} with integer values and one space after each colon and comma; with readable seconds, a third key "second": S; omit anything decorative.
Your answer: {"hour": 9, "minute": 35}
